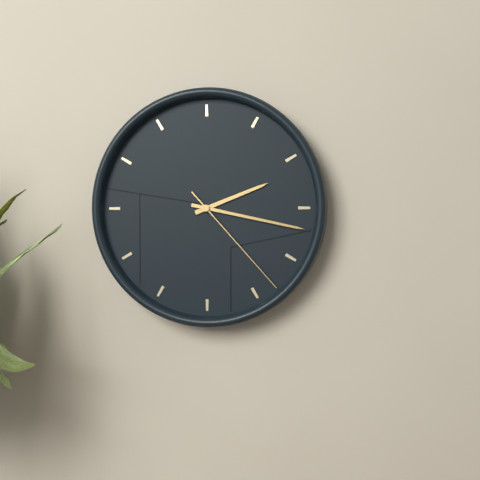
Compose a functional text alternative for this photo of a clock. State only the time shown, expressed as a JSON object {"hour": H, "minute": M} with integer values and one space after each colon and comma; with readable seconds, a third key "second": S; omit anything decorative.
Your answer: {"hour": 2, "minute": 17, "second": 23}
